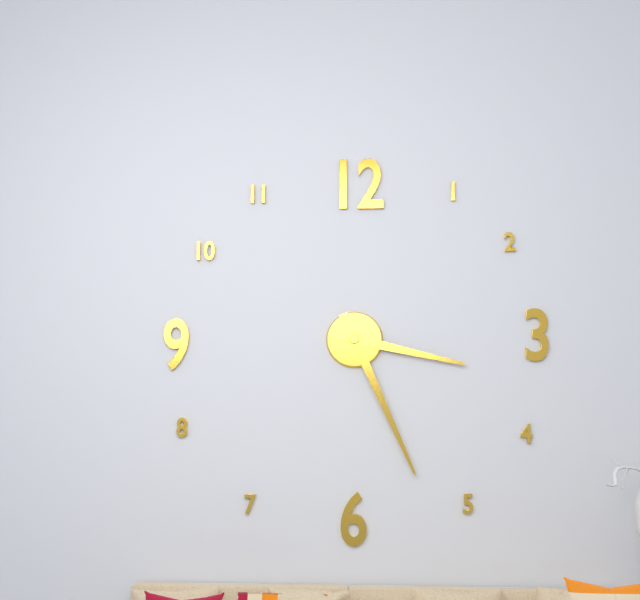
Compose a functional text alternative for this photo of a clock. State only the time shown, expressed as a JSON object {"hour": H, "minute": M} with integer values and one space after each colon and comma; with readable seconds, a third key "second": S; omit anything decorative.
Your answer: {"hour": 3, "minute": 26}
